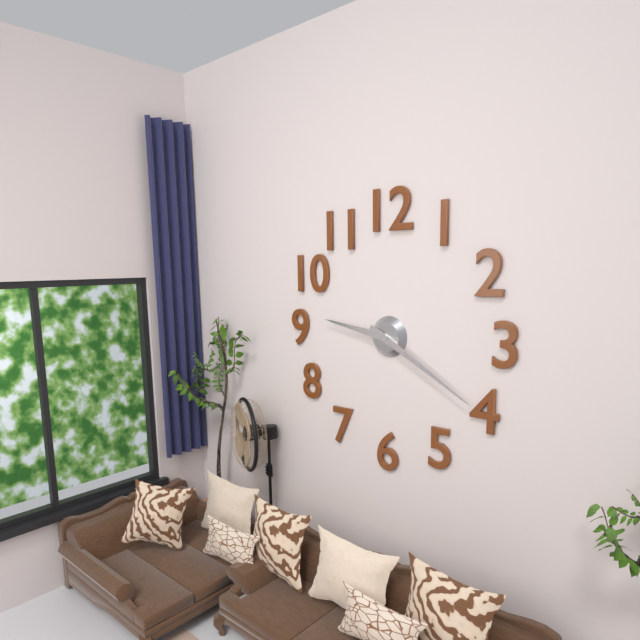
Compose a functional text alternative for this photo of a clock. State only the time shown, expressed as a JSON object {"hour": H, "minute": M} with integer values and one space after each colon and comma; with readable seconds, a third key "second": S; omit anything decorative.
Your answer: {"hour": 9, "minute": 20}
